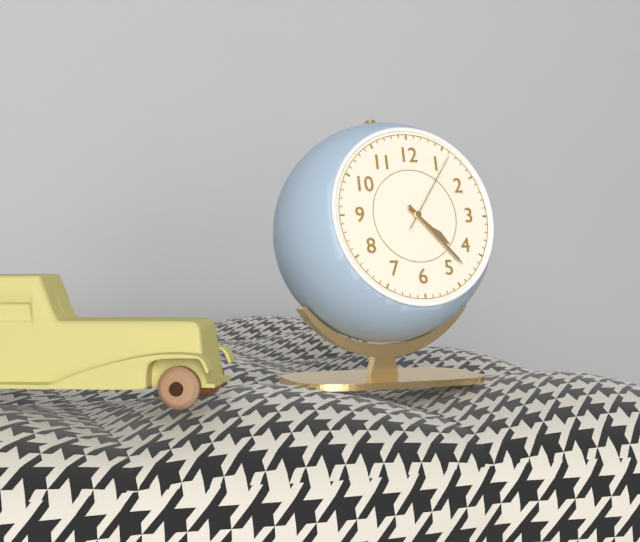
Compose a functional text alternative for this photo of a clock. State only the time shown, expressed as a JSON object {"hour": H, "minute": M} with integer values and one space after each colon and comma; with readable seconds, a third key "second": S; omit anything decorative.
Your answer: {"hour": 4, "minute": 23, "second": 6}
